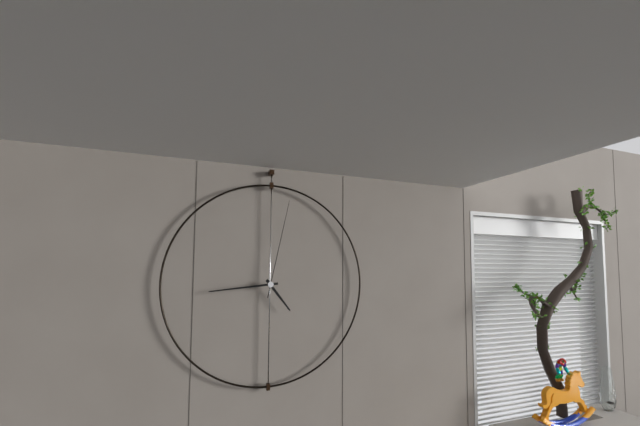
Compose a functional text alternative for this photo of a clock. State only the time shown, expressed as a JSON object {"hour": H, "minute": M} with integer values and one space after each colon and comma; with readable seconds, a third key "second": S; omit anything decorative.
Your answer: {"hour": 4, "minute": 44, "second": 2}
